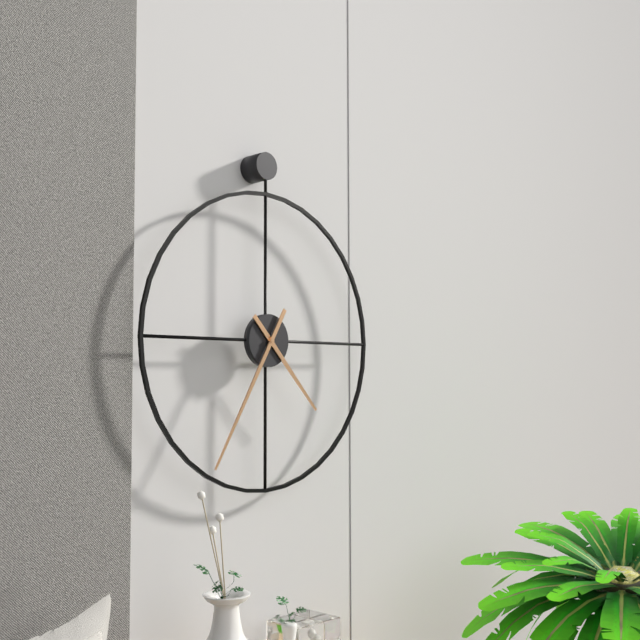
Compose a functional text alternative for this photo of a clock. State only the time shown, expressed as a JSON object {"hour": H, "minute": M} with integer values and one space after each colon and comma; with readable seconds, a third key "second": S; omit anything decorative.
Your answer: {"hour": 4, "minute": 35}
